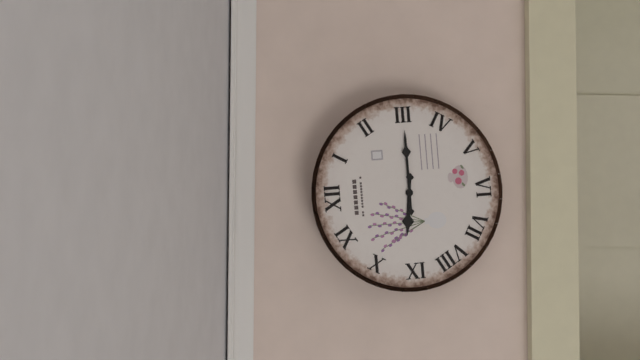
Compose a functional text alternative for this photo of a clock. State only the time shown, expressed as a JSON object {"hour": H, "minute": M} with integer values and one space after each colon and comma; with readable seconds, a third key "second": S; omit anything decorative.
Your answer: {"hour": 9, "minute": 15}
